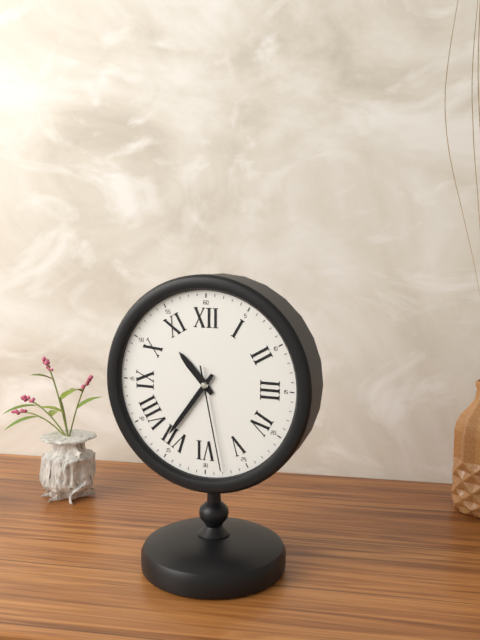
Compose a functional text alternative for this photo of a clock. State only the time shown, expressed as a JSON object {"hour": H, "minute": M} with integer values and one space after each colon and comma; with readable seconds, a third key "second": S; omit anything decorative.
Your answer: {"hour": 10, "minute": 36, "second": 28}
